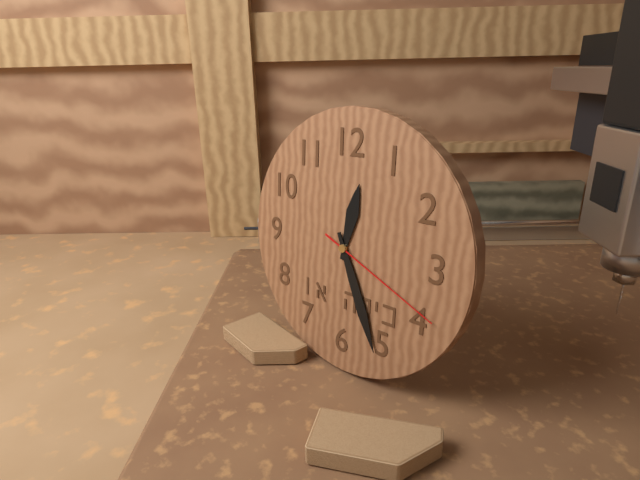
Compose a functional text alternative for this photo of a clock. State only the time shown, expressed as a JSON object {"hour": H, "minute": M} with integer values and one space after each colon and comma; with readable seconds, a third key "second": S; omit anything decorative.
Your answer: {"hour": 12, "minute": 26, "second": 19}
